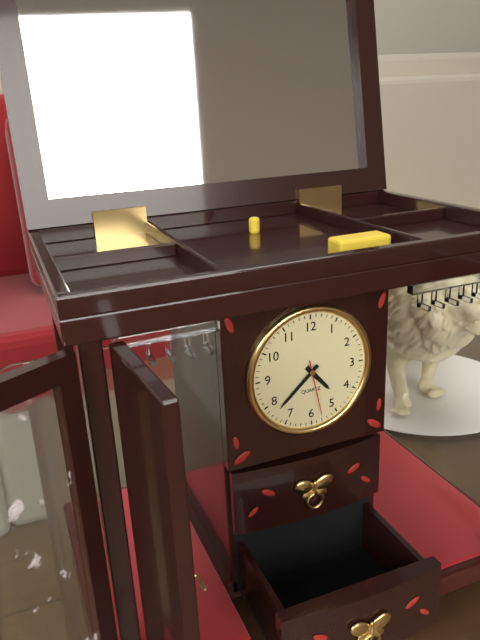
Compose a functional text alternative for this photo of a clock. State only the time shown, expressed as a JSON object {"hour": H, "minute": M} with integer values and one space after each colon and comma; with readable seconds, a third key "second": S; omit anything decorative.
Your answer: {"hour": 4, "minute": 38, "second": 28}
